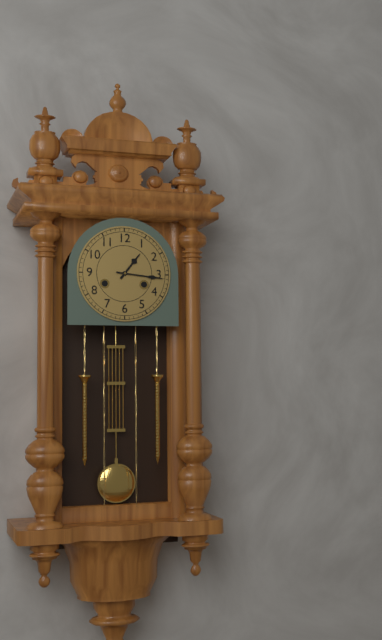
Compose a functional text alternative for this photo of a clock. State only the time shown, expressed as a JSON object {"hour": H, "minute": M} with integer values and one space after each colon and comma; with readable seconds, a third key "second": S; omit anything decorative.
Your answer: {"hour": 1, "minute": 16}
